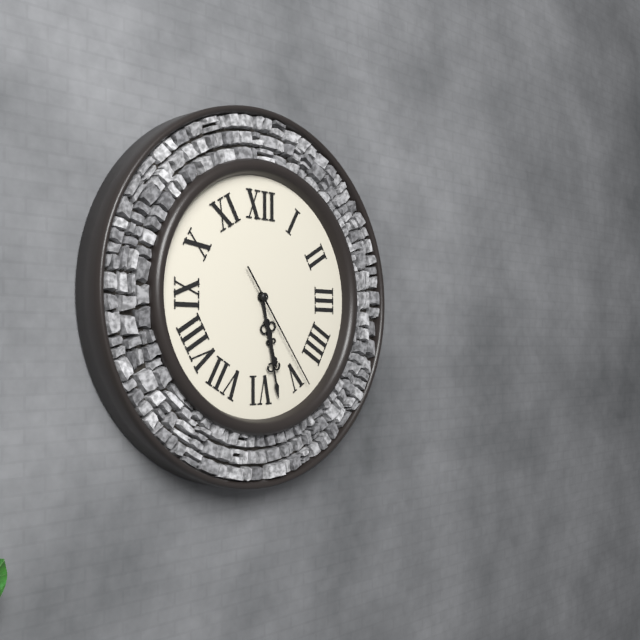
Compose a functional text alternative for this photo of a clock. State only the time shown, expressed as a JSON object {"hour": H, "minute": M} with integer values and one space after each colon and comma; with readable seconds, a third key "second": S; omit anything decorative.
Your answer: {"hour": 5, "minute": 28, "second": 24}
